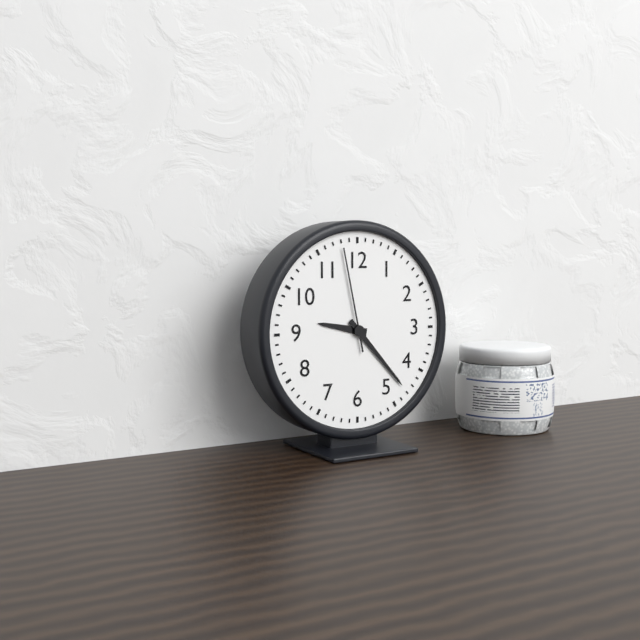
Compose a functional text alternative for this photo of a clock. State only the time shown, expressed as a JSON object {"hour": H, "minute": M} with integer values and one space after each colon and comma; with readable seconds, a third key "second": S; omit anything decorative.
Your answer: {"hour": 9, "minute": 23, "second": 58}
